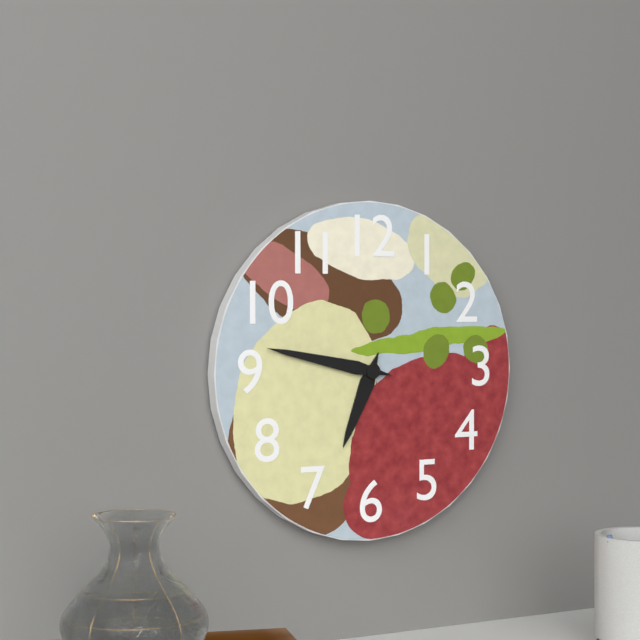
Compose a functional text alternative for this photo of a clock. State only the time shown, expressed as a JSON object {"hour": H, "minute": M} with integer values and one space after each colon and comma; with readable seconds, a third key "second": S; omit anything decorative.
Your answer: {"hour": 6, "minute": 47}
